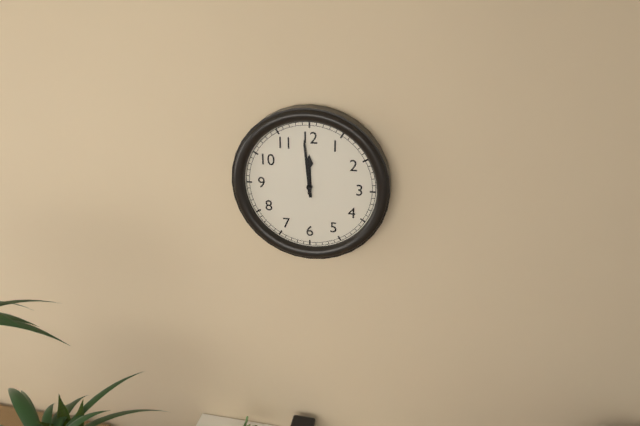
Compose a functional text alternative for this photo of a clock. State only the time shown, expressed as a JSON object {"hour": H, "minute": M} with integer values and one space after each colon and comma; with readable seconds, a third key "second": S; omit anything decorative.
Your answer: {"hour": 11, "minute": 59}
